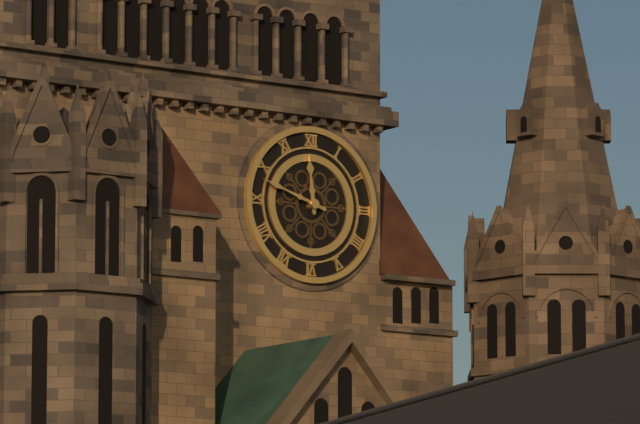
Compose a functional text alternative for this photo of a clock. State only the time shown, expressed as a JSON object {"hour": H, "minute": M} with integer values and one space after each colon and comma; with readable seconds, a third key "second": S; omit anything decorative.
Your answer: {"hour": 11, "minute": 48}
